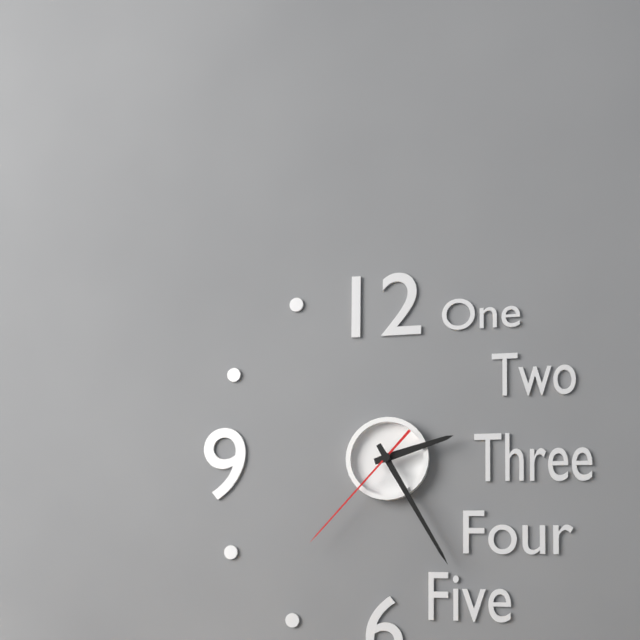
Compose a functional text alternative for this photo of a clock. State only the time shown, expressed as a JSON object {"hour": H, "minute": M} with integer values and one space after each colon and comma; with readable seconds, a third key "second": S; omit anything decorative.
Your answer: {"hour": 2, "minute": 25, "second": 37}
